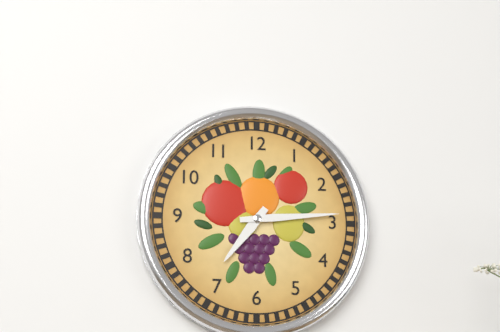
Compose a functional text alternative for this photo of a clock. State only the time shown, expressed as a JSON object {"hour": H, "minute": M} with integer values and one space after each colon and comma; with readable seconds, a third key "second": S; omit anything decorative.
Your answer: {"hour": 7, "minute": 14}
